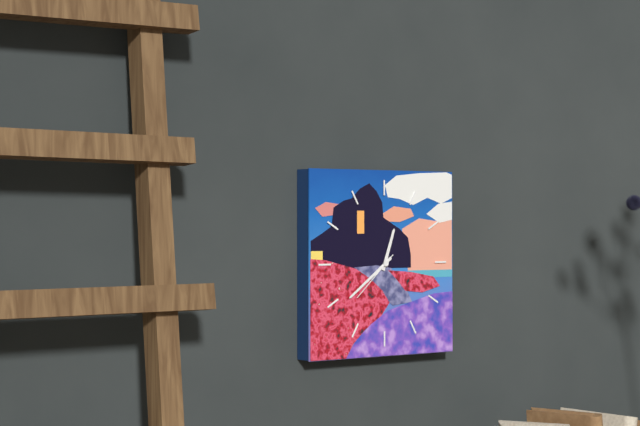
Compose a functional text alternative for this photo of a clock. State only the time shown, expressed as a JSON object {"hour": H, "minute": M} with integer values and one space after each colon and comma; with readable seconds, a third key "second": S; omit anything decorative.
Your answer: {"hour": 12, "minute": 39, "second": 38}
